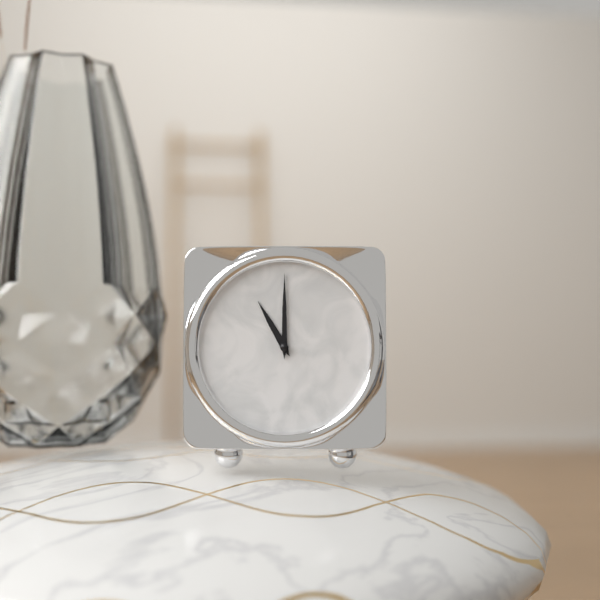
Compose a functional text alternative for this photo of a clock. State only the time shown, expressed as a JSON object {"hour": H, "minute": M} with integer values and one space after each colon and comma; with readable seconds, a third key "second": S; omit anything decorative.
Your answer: {"hour": 11, "minute": 0}
